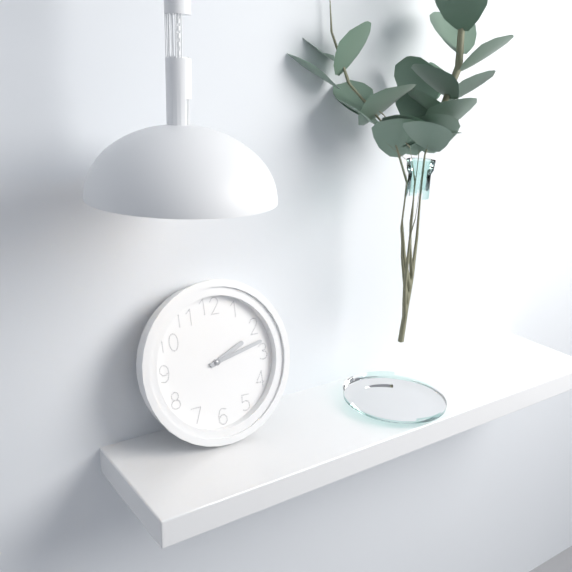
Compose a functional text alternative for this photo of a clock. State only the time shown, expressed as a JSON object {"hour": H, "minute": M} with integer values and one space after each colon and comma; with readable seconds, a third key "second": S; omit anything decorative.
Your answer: {"hour": 2, "minute": 13}
